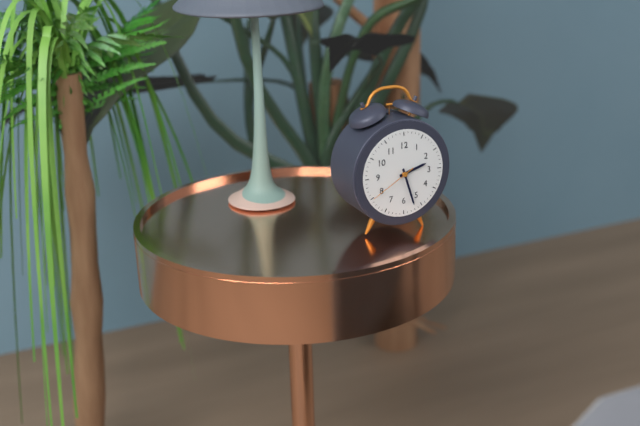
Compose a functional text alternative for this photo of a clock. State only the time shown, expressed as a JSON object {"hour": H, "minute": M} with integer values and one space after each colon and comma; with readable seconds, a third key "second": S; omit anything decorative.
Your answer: {"hour": 2, "minute": 27, "second": 40}
